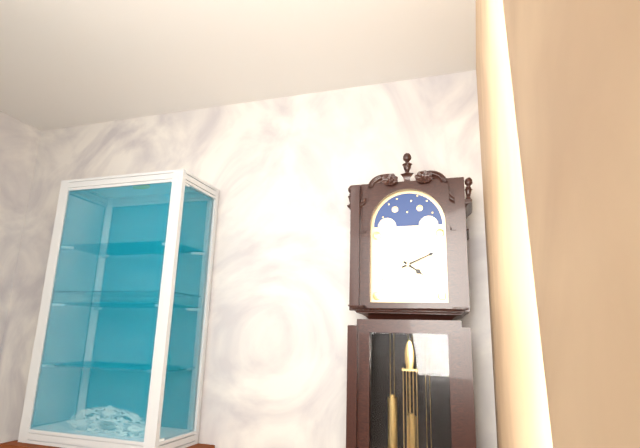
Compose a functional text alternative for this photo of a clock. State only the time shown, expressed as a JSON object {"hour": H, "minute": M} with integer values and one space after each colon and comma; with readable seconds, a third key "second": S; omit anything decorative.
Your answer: {"hour": 4, "minute": 11}
